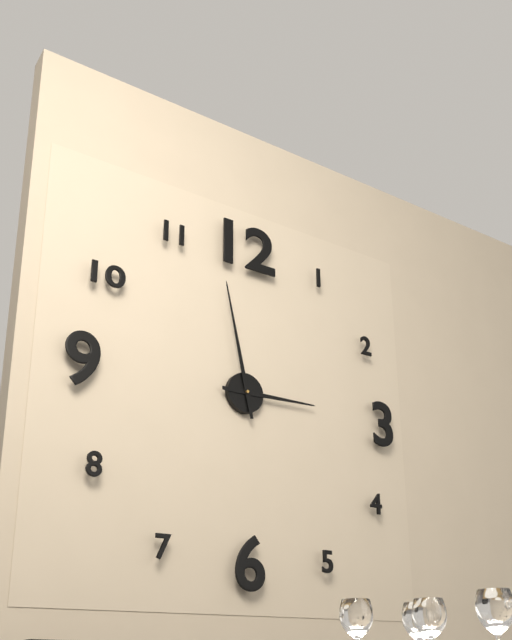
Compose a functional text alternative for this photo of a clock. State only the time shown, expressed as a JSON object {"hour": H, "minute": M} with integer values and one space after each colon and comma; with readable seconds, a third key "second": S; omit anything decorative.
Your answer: {"hour": 2, "minute": 58}
